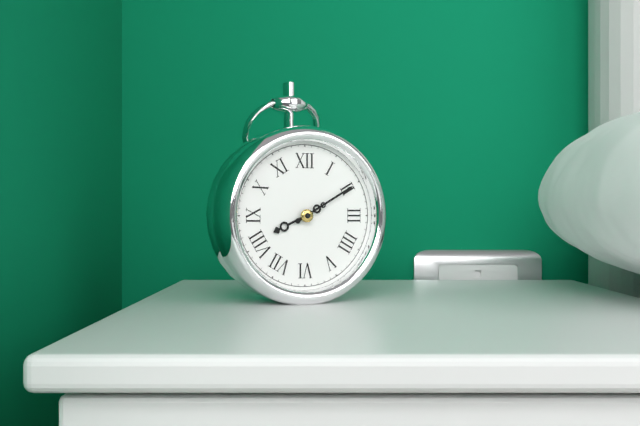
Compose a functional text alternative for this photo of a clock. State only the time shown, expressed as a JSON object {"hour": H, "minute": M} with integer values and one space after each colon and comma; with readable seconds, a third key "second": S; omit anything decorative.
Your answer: {"hour": 8, "minute": 10}
